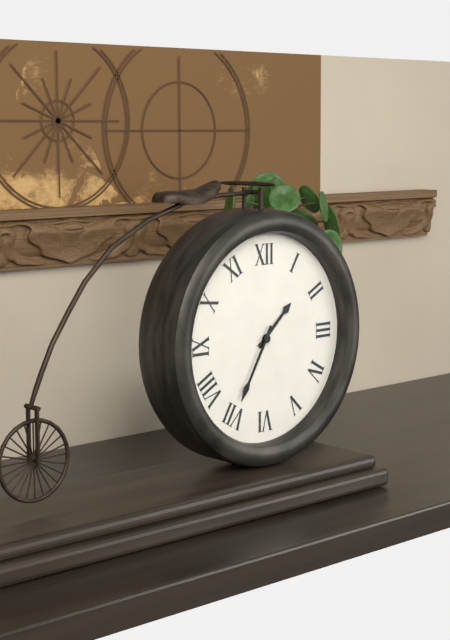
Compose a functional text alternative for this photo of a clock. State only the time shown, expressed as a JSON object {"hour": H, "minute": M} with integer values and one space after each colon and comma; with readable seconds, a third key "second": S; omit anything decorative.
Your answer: {"hour": 1, "minute": 35}
